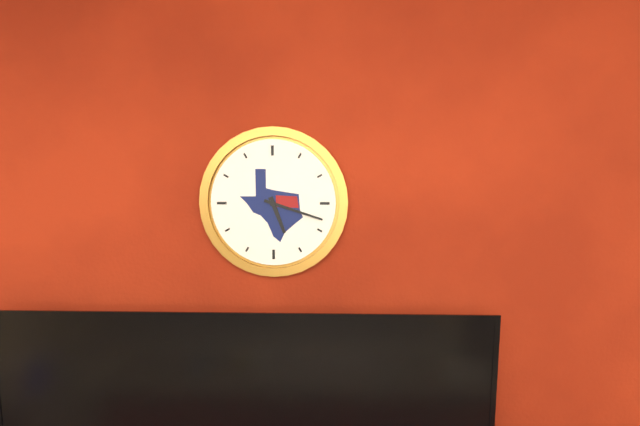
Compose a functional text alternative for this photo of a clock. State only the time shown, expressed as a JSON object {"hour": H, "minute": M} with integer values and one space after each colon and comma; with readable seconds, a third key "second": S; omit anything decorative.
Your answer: {"hour": 5, "minute": 18}
